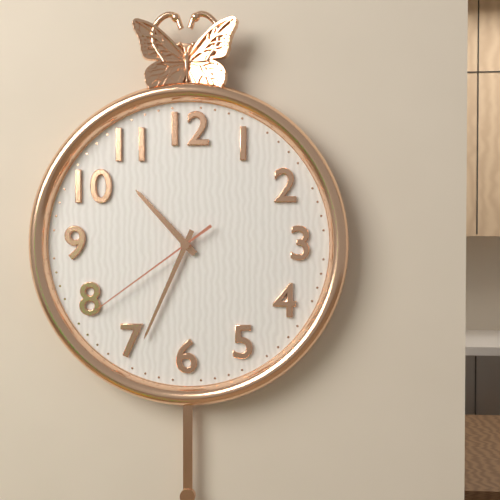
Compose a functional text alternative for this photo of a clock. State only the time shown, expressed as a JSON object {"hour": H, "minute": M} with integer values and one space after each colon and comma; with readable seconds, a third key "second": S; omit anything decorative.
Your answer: {"hour": 10, "minute": 34, "second": 39}
